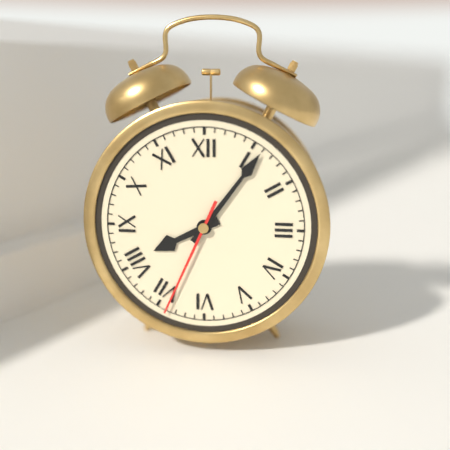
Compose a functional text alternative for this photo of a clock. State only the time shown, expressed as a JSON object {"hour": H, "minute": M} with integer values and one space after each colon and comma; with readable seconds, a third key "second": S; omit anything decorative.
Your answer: {"hour": 8, "minute": 6, "second": 34}
